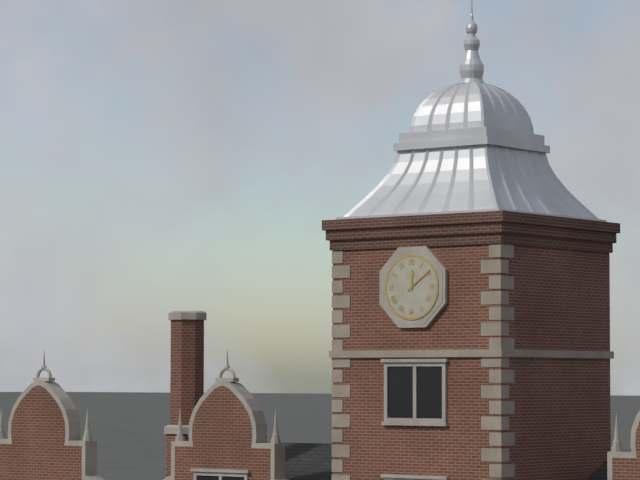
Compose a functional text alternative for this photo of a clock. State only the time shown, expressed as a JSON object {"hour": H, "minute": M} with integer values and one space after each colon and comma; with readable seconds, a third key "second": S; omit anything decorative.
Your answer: {"hour": 12, "minute": 9}
